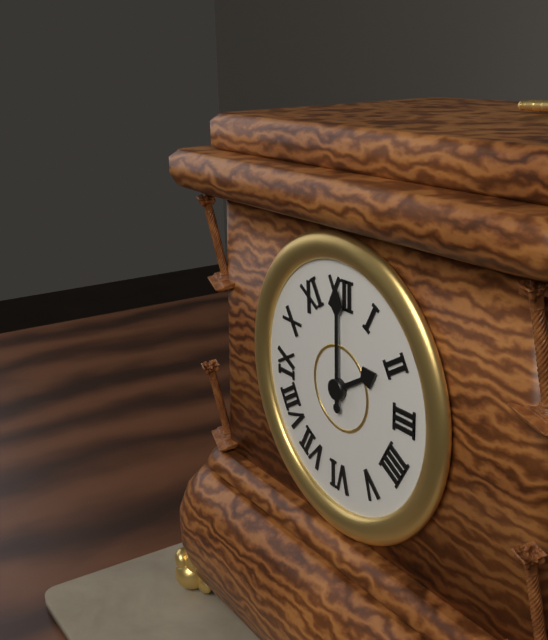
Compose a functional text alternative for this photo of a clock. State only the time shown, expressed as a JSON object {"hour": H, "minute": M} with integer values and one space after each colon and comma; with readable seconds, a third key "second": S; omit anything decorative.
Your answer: {"hour": 2, "minute": 0}
